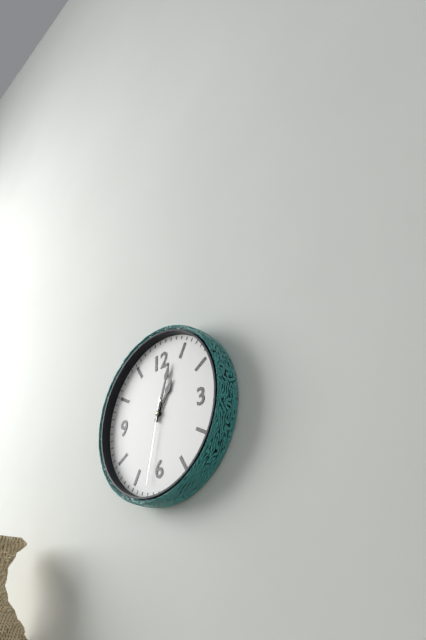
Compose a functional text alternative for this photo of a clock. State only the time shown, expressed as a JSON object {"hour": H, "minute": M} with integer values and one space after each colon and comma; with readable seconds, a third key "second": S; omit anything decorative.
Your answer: {"hour": 1, "minute": 3, "second": 32}
